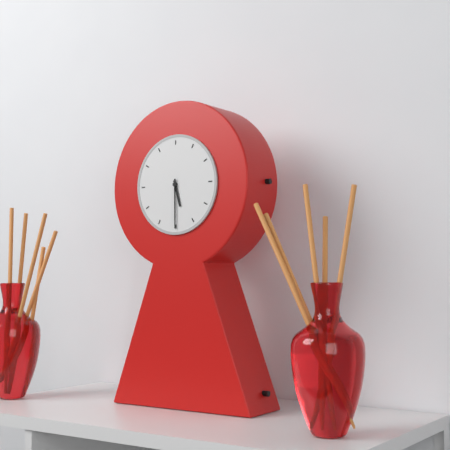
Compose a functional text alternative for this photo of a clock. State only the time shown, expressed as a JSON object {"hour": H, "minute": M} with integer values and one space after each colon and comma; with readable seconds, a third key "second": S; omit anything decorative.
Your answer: {"hour": 5, "minute": 30}
